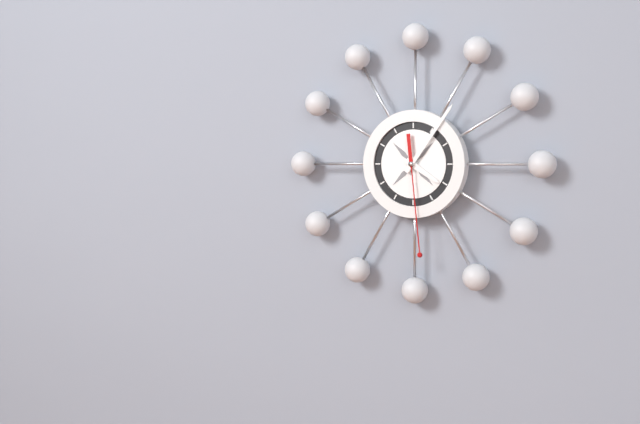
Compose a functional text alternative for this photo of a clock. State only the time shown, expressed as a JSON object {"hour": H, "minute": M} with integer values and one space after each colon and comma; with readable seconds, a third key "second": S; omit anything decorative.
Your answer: {"hour": 4, "minute": 6, "second": 29}
